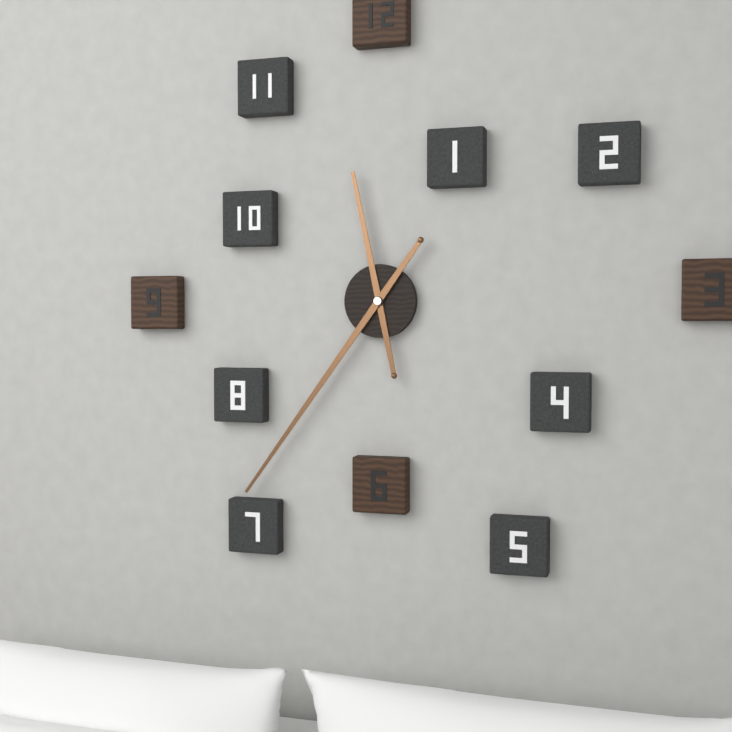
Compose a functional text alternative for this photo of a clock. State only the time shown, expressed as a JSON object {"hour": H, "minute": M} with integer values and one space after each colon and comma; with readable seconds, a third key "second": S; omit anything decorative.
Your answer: {"hour": 11, "minute": 36}
